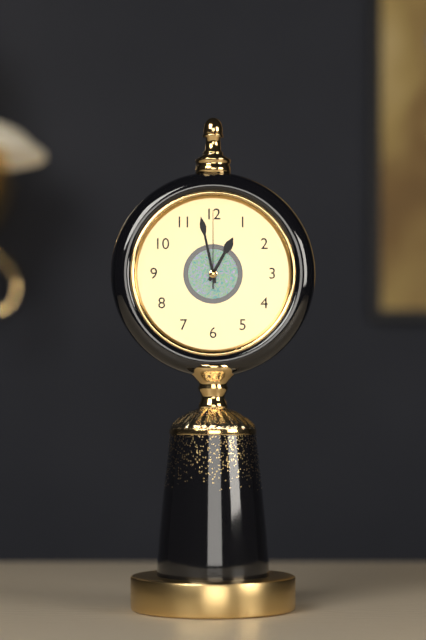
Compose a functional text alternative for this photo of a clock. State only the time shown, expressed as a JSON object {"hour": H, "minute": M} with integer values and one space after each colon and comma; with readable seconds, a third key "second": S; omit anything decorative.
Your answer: {"hour": 12, "minute": 58, "second": 0}
